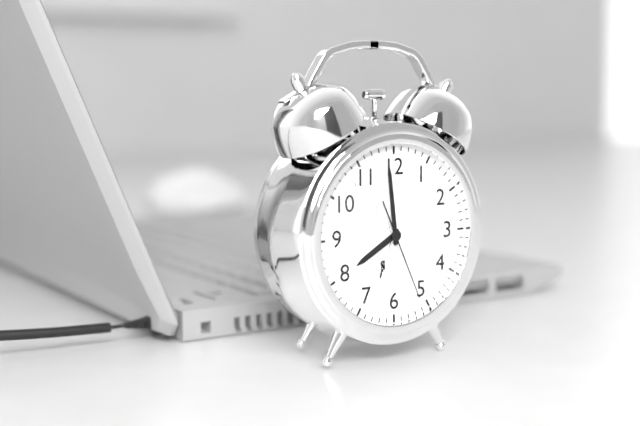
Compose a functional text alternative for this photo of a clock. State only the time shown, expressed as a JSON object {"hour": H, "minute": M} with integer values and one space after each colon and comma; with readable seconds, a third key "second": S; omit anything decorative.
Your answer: {"hour": 7, "minute": 59, "second": 26}
